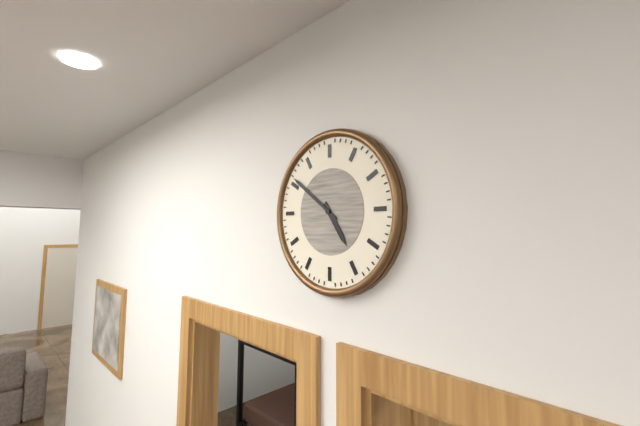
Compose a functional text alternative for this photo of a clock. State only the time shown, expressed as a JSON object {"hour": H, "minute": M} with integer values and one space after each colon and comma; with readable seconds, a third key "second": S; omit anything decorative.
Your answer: {"hour": 4, "minute": 51}
